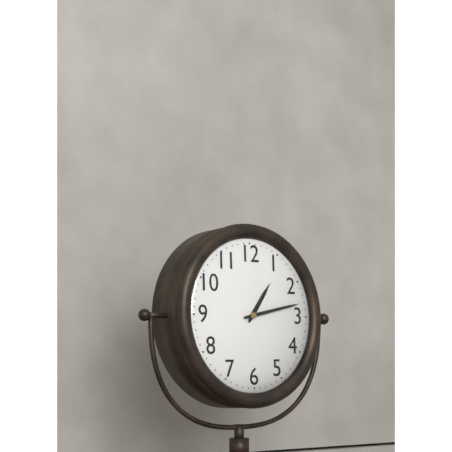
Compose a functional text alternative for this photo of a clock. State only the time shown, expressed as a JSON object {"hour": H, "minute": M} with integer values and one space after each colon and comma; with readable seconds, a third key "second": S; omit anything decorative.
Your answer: {"hour": 1, "minute": 13}
